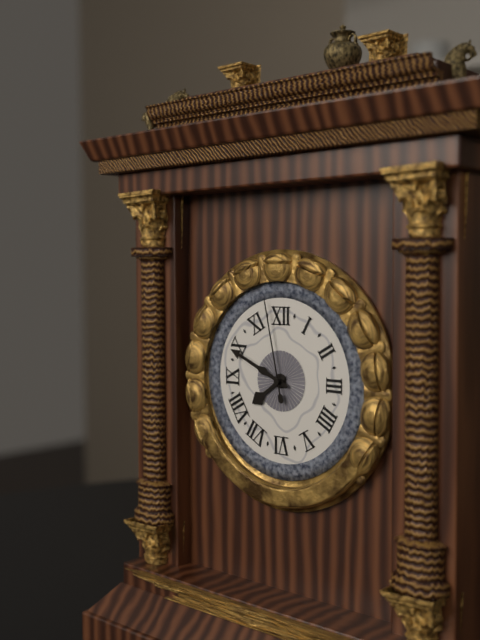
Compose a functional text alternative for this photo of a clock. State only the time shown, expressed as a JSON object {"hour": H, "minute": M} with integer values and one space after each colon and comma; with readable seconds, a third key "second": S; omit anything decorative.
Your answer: {"hour": 7, "minute": 49, "second": 58}
